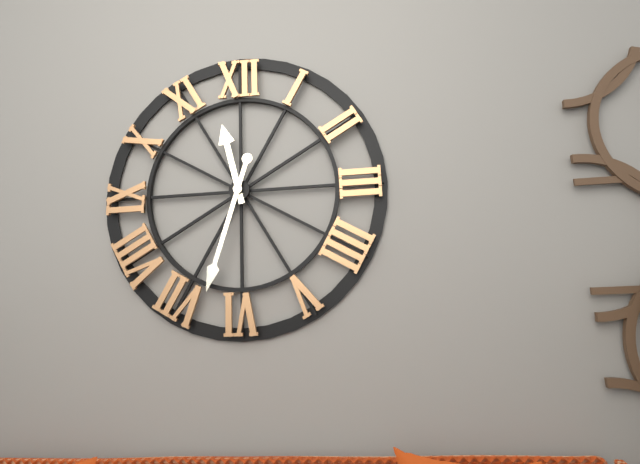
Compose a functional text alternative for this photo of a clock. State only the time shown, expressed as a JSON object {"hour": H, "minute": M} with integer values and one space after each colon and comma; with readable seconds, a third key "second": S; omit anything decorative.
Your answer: {"hour": 11, "minute": 33}
